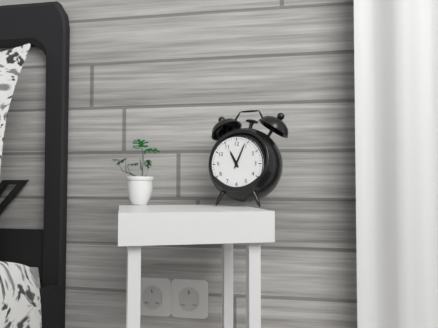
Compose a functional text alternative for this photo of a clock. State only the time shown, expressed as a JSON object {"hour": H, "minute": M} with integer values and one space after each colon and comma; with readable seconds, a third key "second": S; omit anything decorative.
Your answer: {"hour": 11, "minute": 4}
